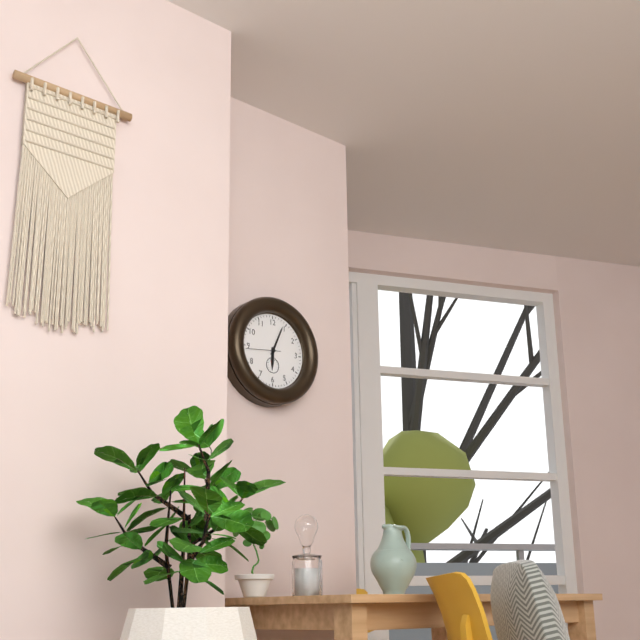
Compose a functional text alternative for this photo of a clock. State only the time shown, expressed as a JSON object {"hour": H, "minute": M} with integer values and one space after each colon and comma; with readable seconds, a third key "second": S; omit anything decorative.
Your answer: {"hour": 6, "minute": 4}
